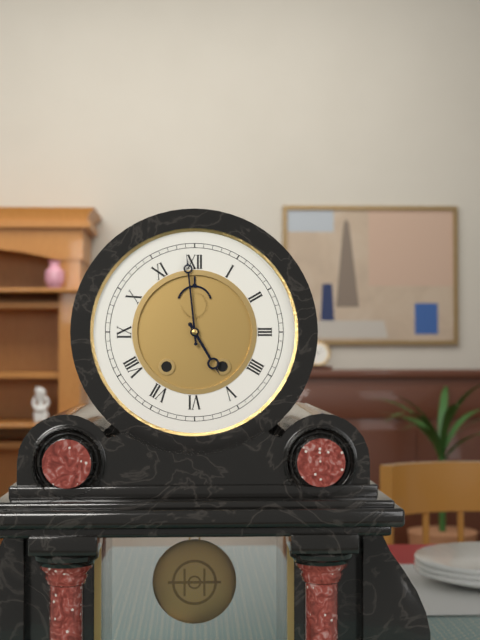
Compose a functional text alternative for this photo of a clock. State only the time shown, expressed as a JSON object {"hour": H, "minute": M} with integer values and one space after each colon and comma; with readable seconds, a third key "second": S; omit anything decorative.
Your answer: {"hour": 4, "minute": 59}
